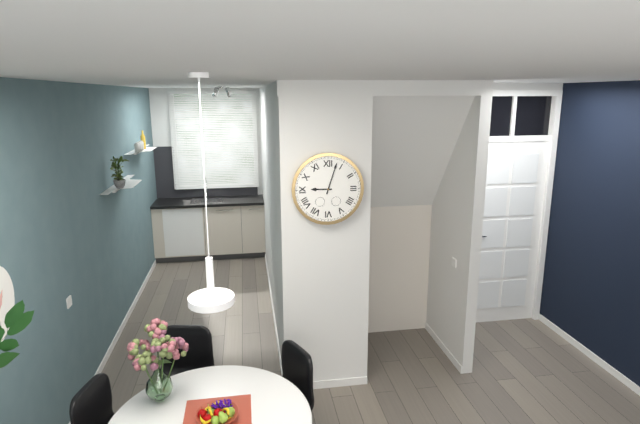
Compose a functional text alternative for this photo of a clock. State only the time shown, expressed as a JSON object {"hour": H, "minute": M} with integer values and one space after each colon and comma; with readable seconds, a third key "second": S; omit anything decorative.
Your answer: {"hour": 9, "minute": 3}
